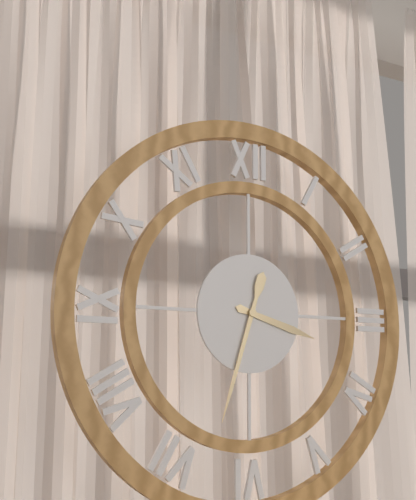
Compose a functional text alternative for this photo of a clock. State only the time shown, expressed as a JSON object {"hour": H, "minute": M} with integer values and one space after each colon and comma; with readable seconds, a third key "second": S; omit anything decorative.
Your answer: {"hour": 3, "minute": 33}
